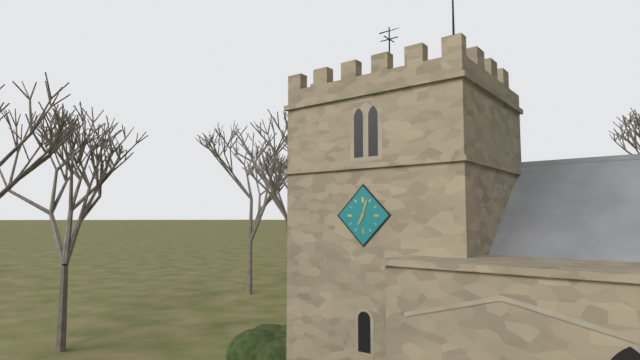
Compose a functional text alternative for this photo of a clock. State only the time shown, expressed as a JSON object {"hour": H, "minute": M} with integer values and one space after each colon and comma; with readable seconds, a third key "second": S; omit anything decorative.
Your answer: {"hour": 7, "minute": 3}
